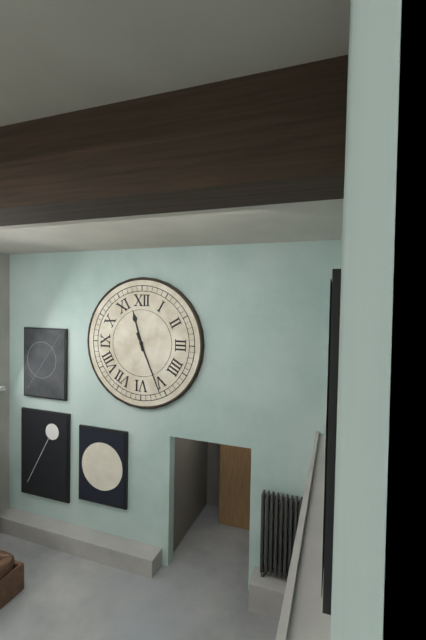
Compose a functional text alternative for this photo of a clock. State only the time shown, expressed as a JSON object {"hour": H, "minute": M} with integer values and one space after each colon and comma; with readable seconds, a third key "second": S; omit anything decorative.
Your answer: {"hour": 11, "minute": 26}
